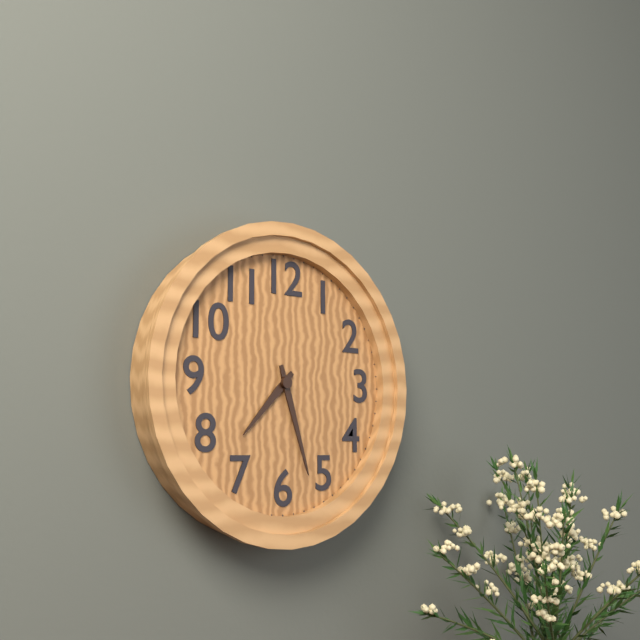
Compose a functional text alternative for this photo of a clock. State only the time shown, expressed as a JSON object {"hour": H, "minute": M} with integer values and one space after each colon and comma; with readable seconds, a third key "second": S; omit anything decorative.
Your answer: {"hour": 7, "minute": 27}
